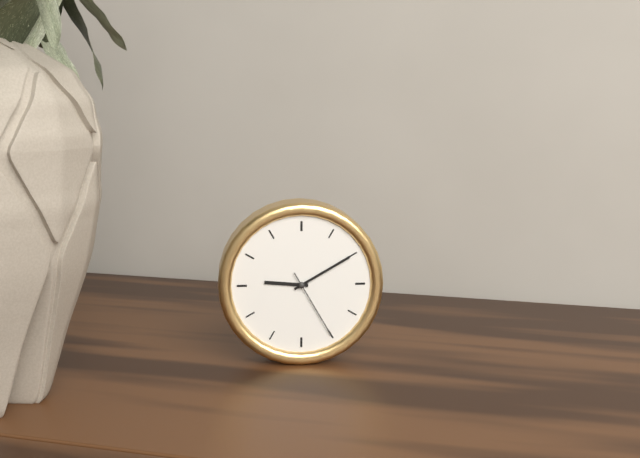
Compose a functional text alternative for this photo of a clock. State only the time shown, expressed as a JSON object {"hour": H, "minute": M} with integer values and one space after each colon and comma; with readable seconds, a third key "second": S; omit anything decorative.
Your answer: {"hour": 9, "minute": 10, "second": 25}
